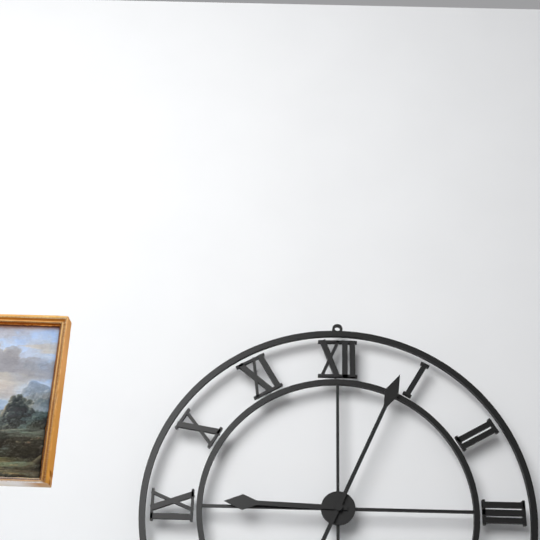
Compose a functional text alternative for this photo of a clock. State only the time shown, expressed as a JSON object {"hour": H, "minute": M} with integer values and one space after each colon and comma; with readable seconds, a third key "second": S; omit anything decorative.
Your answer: {"hour": 9, "minute": 4}
